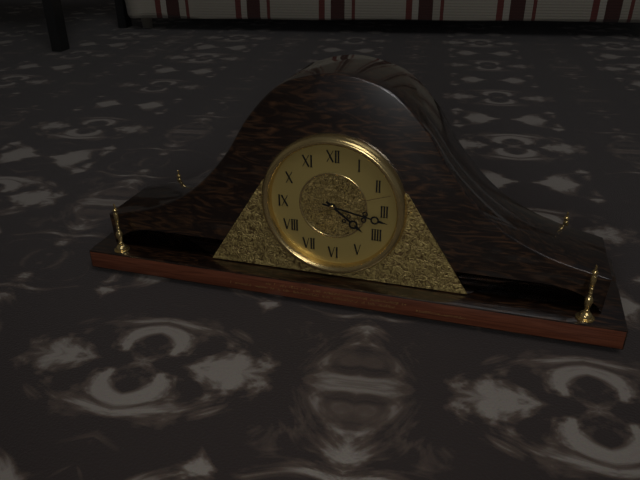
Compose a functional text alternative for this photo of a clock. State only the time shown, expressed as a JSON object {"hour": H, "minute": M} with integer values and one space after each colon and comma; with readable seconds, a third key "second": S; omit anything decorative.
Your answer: {"hour": 4, "minute": 17, "second": 12}
